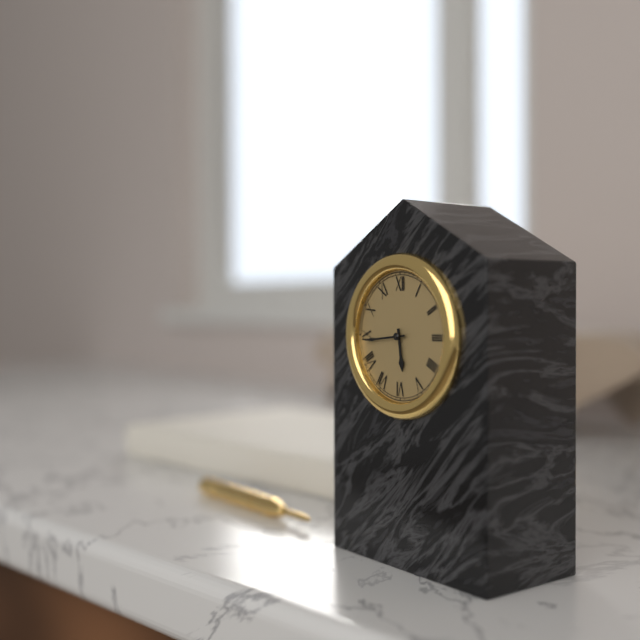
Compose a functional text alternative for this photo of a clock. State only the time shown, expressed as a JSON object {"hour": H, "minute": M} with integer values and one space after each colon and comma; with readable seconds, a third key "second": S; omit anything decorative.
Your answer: {"hour": 5, "minute": 44}
